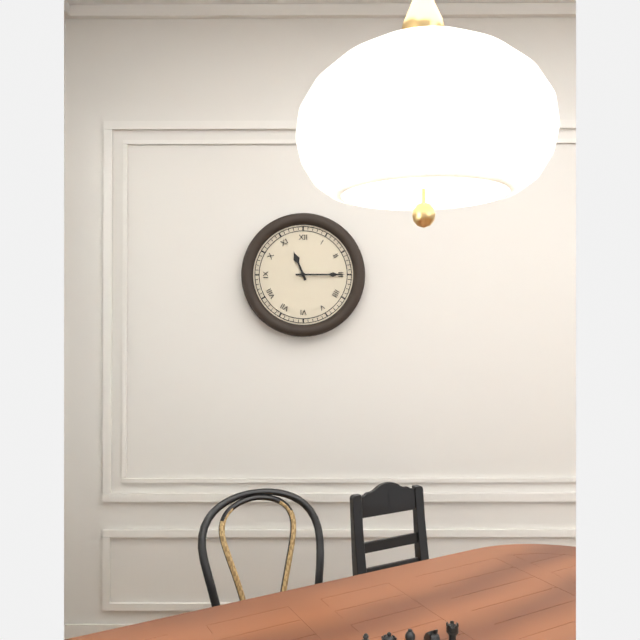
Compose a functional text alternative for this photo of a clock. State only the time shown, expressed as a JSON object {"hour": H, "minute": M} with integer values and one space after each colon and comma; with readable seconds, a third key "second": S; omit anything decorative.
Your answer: {"hour": 11, "minute": 15}
